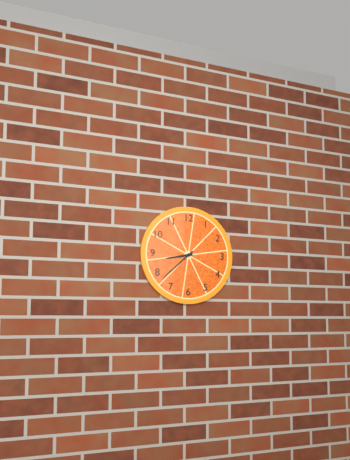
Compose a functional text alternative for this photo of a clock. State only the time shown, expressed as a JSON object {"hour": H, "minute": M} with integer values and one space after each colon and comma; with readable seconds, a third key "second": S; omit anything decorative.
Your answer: {"hour": 8, "minute": 38}
